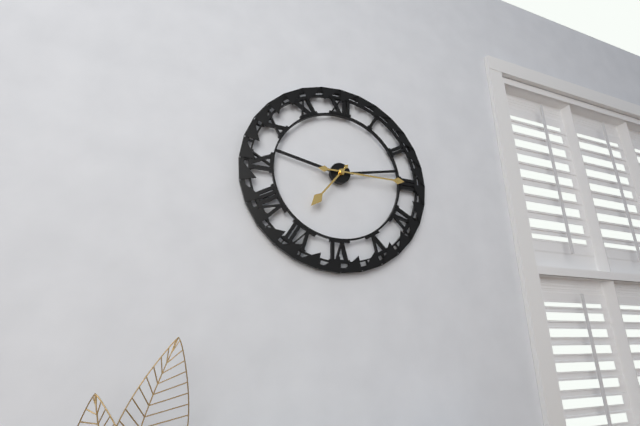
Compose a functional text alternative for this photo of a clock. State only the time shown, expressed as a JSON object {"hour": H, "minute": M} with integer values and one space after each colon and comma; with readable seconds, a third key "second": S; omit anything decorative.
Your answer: {"hour": 7, "minute": 15}
